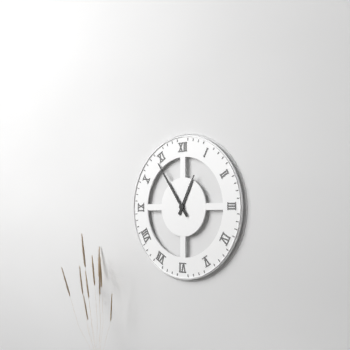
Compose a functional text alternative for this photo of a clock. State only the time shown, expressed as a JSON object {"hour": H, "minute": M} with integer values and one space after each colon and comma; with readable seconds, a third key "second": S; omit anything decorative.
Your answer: {"hour": 12, "minute": 54}
